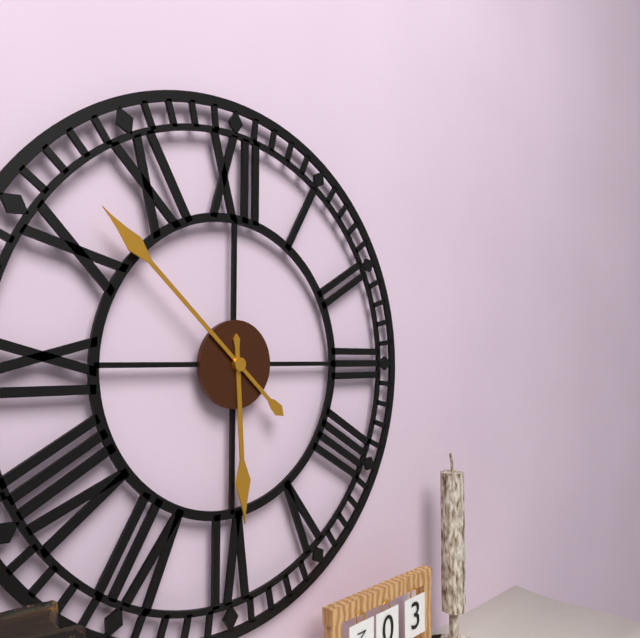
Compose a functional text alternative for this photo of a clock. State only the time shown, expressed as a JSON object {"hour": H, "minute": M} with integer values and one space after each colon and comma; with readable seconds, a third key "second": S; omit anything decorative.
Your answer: {"hour": 5, "minute": 52}
